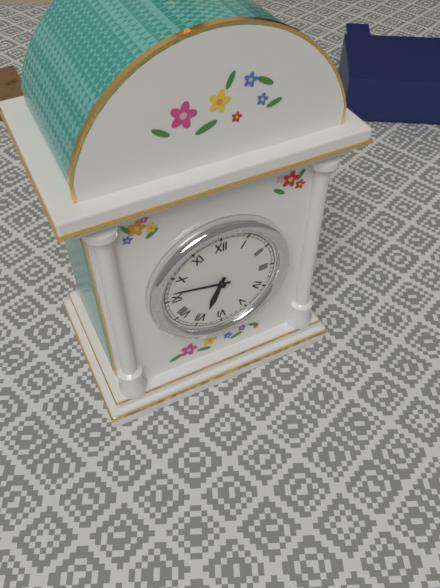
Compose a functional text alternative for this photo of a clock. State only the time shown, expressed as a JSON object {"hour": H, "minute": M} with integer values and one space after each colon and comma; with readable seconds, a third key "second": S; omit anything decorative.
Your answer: {"hour": 6, "minute": 47}
